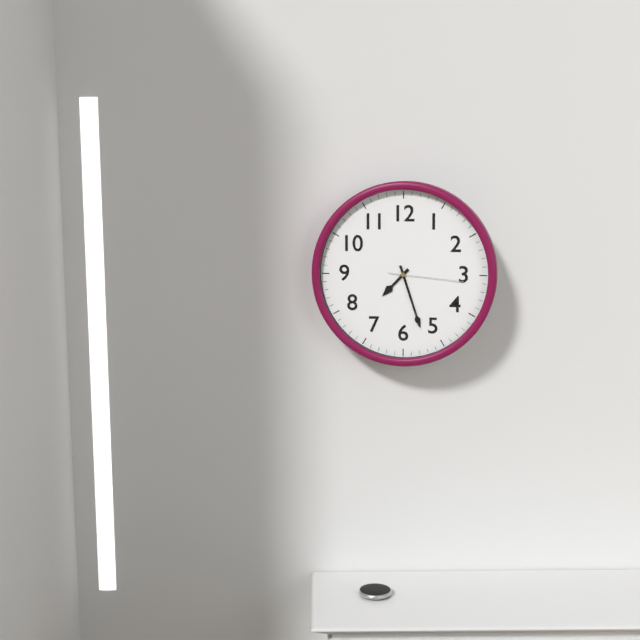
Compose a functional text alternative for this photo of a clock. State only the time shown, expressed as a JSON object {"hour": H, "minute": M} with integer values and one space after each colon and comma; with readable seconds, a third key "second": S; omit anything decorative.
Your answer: {"hour": 7, "minute": 27, "second": 16}
